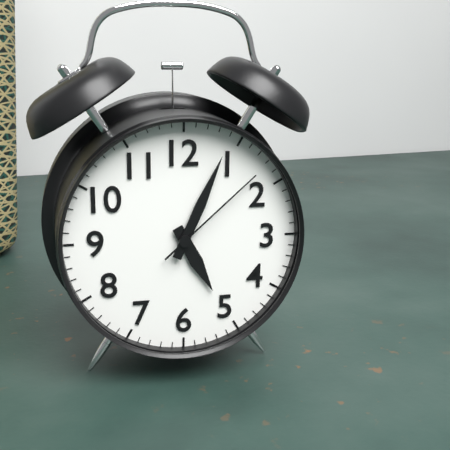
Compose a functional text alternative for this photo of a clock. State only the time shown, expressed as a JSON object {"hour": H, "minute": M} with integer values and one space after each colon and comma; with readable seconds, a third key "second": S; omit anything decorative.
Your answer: {"hour": 5, "minute": 4, "second": 8}
